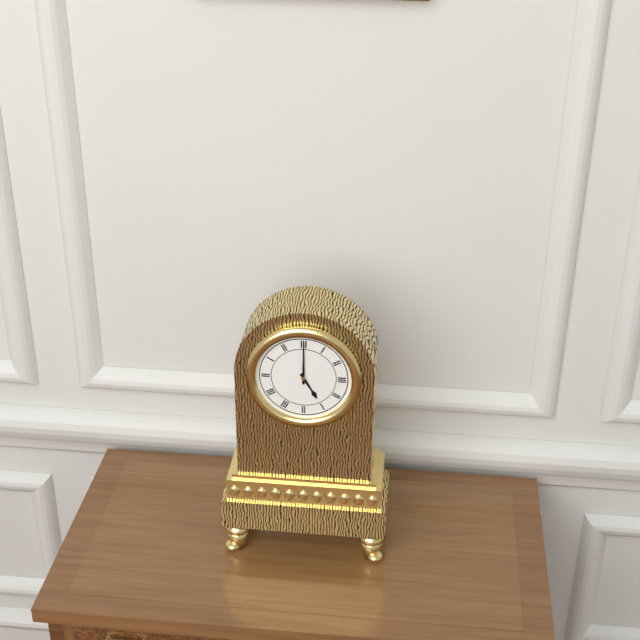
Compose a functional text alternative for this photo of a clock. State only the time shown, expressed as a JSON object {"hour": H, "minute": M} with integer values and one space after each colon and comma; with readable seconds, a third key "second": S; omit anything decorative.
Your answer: {"hour": 5, "minute": 0}
